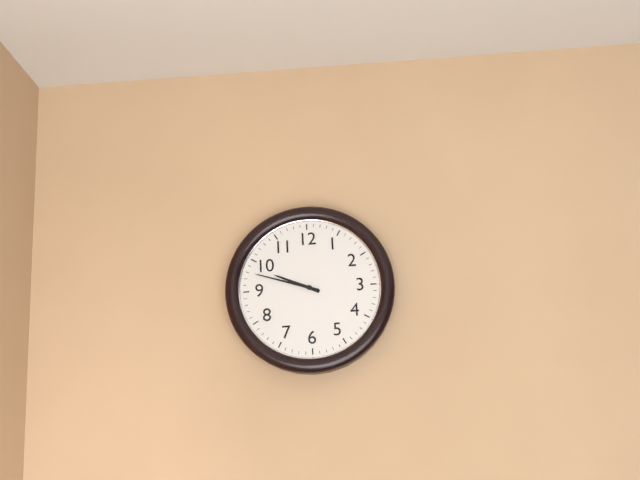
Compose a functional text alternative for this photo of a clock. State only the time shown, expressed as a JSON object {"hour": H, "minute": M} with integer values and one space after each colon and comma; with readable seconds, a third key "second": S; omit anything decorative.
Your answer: {"hour": 9, "minute": 48}
